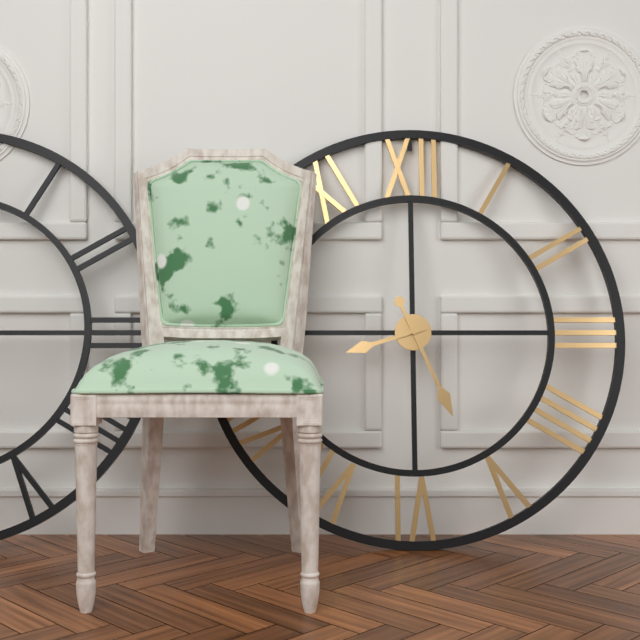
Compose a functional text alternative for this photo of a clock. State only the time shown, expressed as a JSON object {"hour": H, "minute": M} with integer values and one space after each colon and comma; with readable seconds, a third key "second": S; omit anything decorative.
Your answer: {"hour": 8, "minute": 26}
